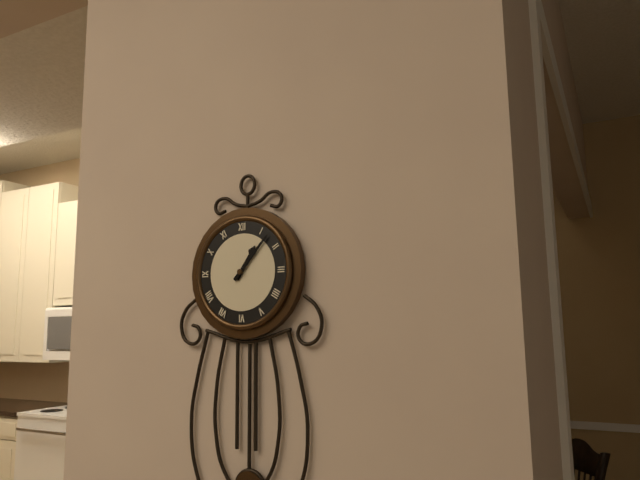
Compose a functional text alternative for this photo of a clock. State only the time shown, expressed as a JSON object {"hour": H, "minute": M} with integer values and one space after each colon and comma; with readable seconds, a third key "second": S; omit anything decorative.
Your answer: {"hour": 1, "minute": 7}
